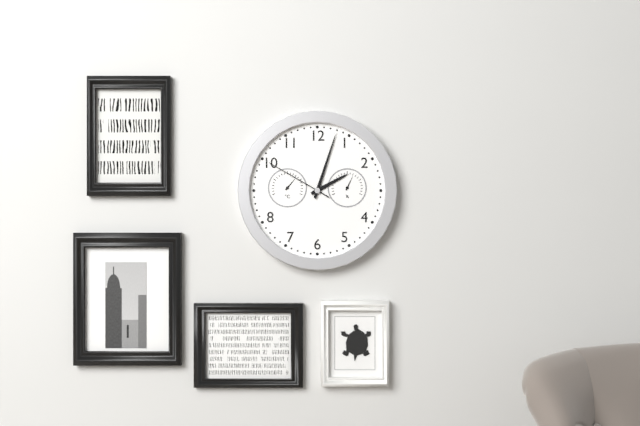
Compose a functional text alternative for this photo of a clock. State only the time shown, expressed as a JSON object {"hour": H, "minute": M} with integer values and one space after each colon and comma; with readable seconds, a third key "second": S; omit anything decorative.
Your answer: {"hour": 2, "minute": 3, "second": 50}
